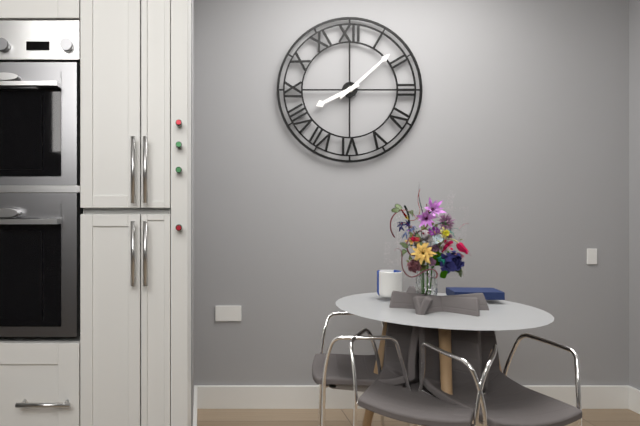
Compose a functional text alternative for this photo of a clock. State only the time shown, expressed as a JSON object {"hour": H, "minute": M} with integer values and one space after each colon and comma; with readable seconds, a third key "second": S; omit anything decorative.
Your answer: {"hour": 8, "minute": 8}
